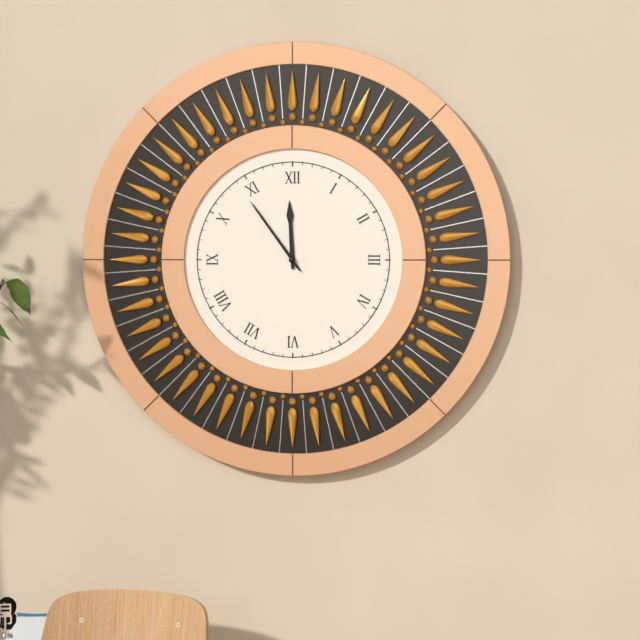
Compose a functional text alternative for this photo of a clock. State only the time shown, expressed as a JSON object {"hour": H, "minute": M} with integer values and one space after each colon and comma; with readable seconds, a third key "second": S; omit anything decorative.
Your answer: {"hour": 11, "minute": 54}
